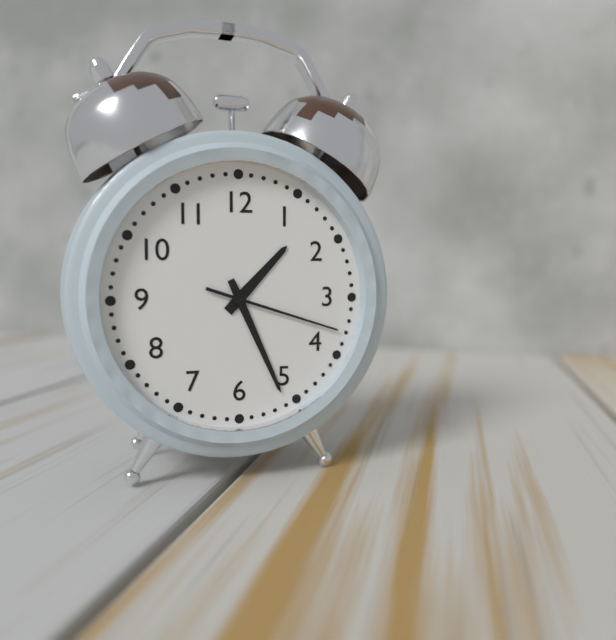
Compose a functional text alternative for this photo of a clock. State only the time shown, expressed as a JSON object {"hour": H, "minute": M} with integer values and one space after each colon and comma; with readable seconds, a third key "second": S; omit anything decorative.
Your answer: {"hour": 1, "minute": 26, "second": 18}
